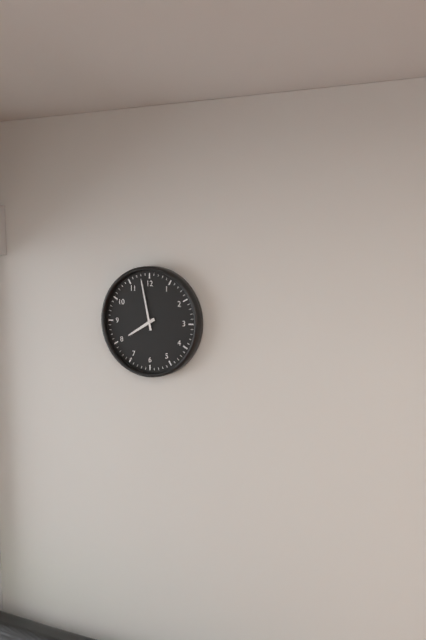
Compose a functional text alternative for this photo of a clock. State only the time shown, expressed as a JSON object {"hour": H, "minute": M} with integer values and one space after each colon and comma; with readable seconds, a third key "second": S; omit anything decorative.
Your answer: {"hour": 7, "minute": 58}
